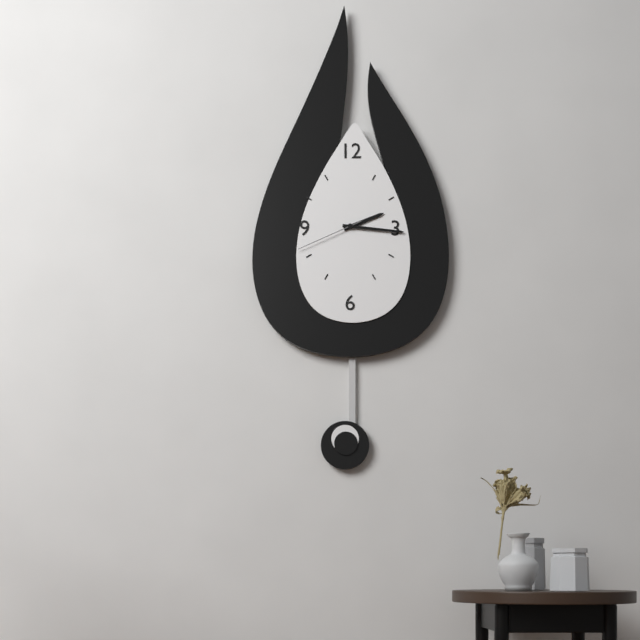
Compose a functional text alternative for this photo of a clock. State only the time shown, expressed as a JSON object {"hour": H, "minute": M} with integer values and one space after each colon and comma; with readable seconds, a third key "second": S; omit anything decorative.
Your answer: {"hour": 2, "minute": 16, "second": 41}
